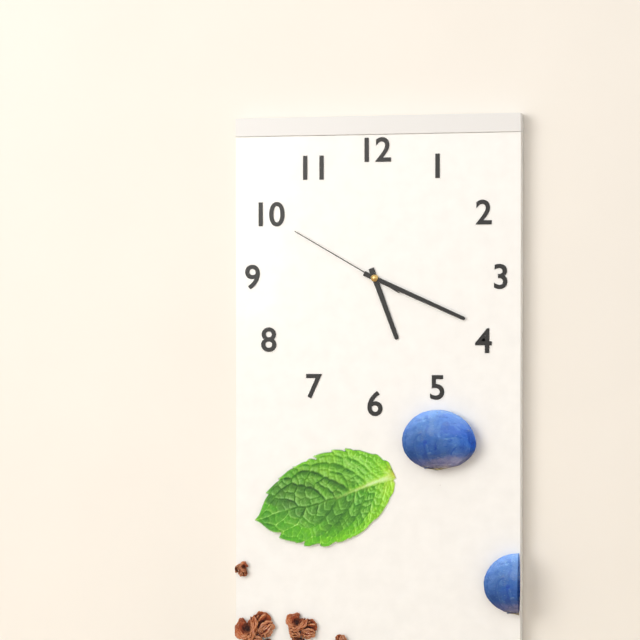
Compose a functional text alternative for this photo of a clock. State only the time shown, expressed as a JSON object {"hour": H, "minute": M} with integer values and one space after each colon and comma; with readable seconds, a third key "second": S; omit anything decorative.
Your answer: {"hour": 5, "minute": 19, "second": 50}
